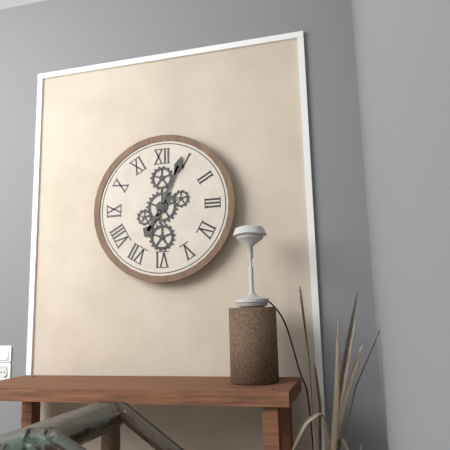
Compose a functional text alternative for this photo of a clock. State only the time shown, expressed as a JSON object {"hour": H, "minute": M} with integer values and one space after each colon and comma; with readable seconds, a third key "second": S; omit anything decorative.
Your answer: {"hour": 7, "minute": 4}
